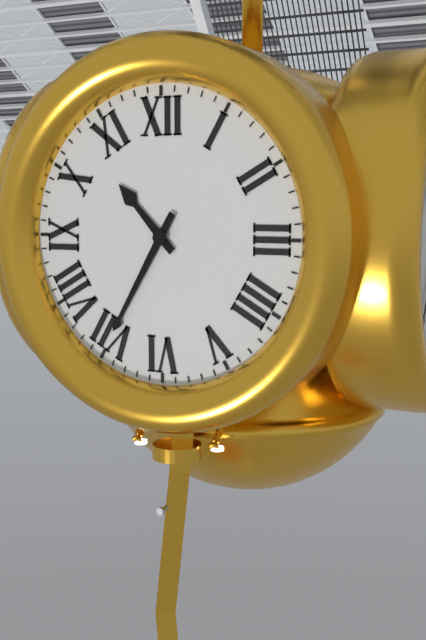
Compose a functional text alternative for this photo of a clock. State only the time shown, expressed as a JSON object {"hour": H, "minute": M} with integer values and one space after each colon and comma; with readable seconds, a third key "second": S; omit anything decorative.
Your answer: {"hour": 10, "minute": 35}
